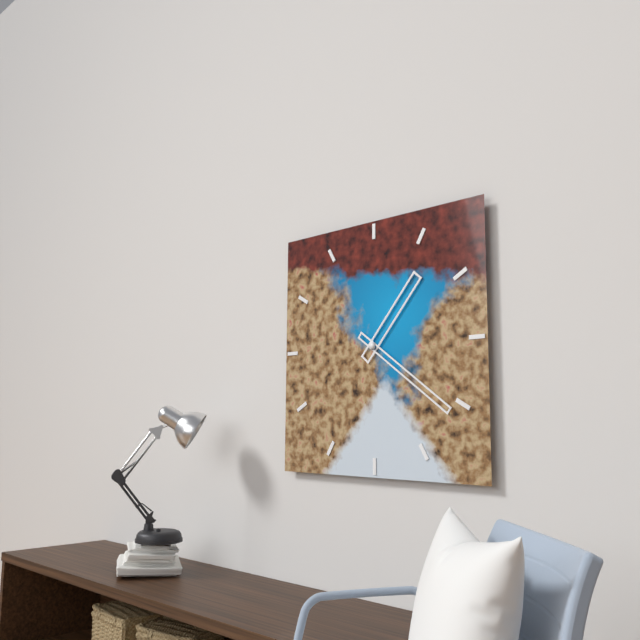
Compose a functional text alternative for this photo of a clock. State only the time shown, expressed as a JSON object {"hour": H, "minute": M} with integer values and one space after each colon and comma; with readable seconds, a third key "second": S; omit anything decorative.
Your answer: {"hour": 1, "minute": 21}
